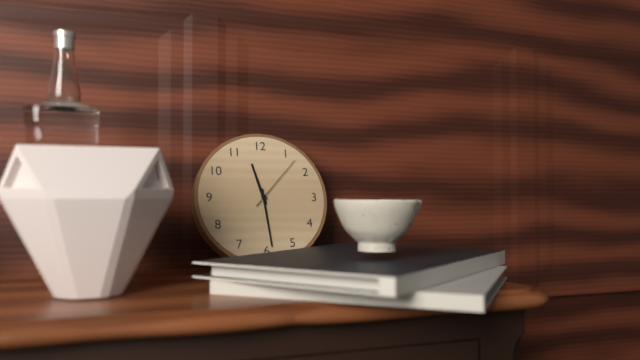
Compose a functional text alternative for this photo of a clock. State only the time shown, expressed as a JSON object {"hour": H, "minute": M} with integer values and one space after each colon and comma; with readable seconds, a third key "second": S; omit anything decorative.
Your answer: {"hour": 11, "minute": 29, "second": 7}
